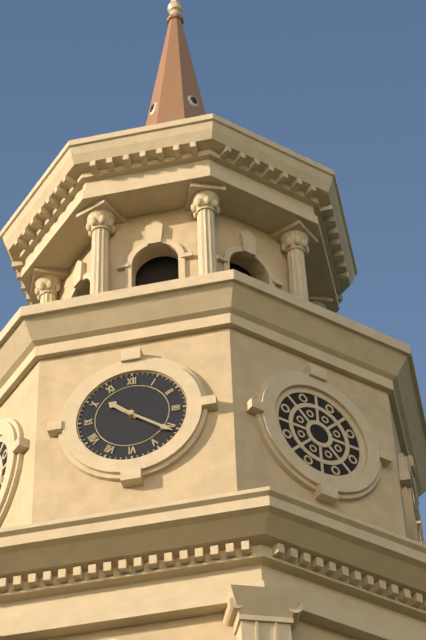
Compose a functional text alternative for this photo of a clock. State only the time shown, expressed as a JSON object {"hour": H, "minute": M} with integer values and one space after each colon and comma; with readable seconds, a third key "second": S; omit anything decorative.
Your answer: {"hour": 10, "minute": 21}
